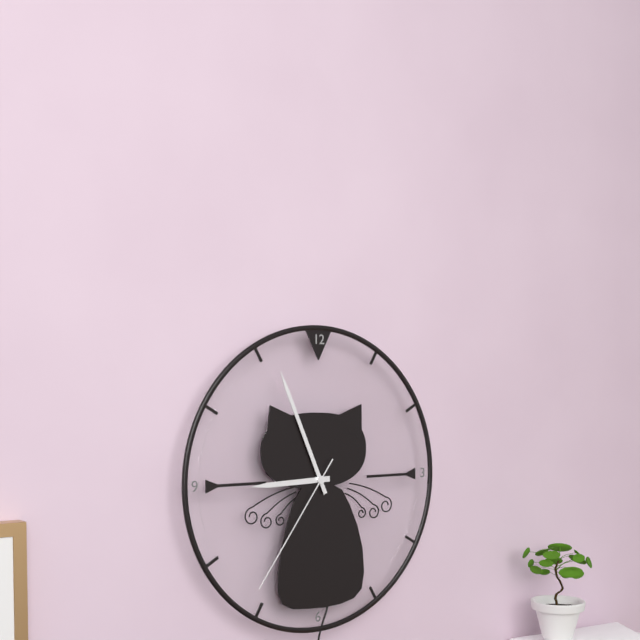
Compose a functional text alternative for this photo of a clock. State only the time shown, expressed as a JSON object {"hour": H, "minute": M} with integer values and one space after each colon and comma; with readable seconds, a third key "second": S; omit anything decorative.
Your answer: {"hour": 8, "minute": 56, "second": 36}
